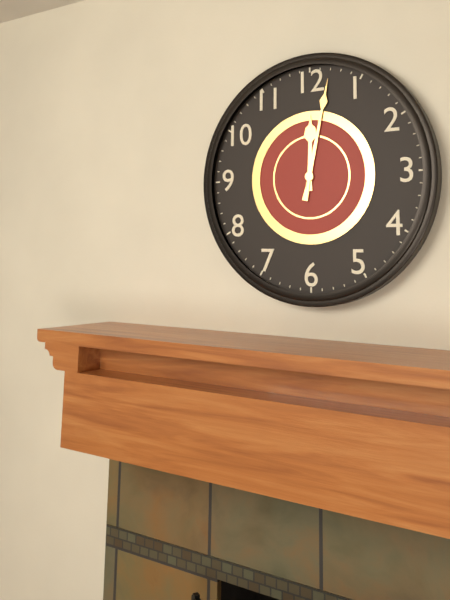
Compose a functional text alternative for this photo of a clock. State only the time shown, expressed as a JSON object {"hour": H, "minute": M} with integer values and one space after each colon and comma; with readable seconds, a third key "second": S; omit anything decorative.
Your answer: {"hour": 12, "minute": 2}
